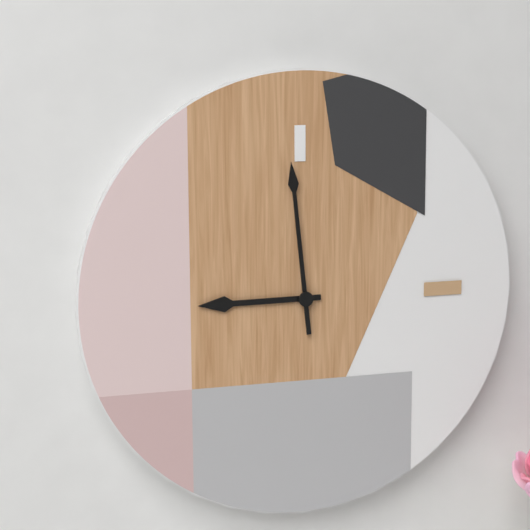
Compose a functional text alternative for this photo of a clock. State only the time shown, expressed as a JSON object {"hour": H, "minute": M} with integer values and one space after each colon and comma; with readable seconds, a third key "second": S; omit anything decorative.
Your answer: {"hour": 8, "minute": 59}
